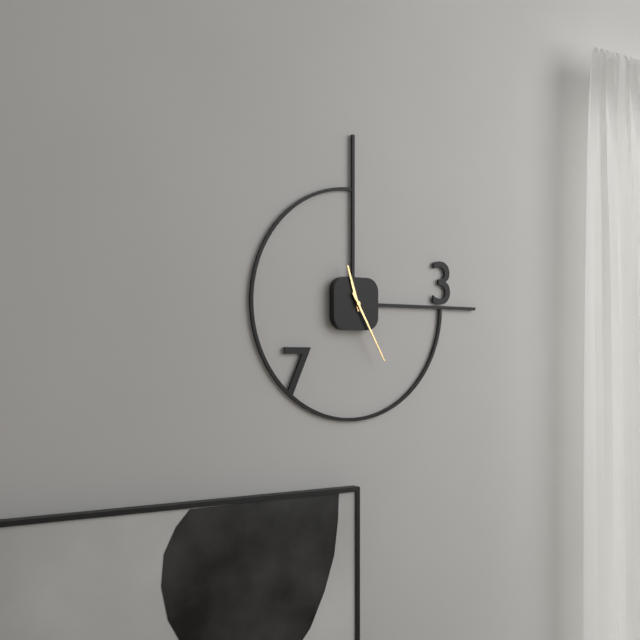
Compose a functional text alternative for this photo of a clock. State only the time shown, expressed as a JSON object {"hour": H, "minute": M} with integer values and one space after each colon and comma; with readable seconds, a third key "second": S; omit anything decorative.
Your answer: {"hour": 11, "minute": 25}
